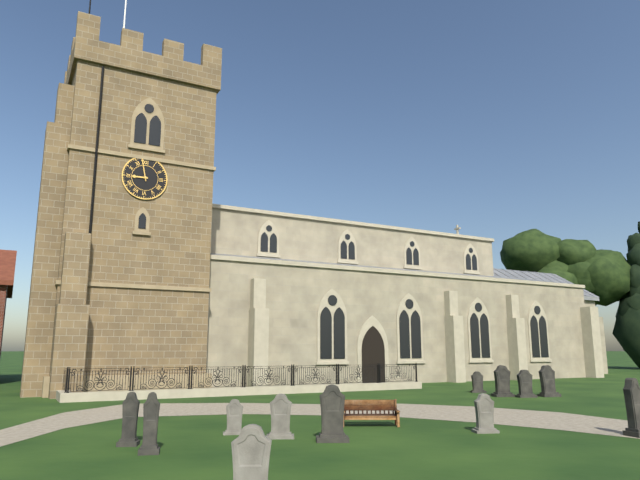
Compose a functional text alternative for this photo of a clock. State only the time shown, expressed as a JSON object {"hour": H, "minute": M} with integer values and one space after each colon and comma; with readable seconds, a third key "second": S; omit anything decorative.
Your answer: {"hour": 8, "minute": 58}
